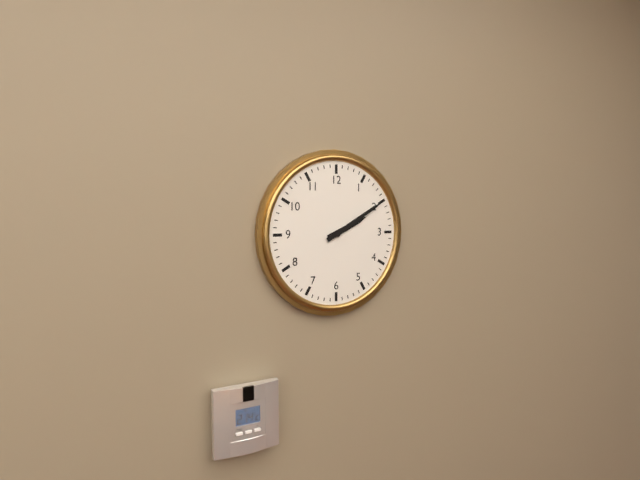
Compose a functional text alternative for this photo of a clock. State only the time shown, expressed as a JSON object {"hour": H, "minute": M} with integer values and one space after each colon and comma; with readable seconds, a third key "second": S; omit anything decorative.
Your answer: {"hour": 2, "minute": 10}
